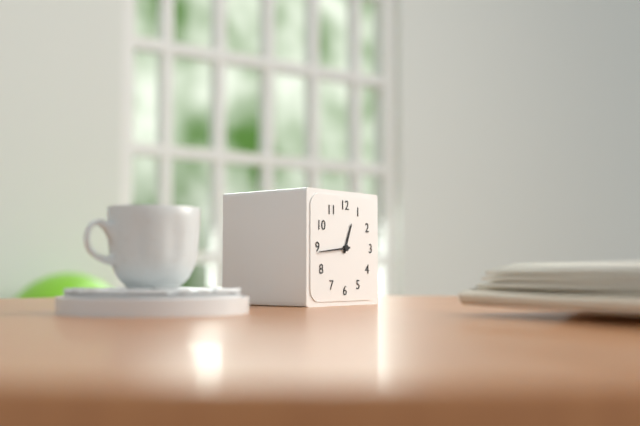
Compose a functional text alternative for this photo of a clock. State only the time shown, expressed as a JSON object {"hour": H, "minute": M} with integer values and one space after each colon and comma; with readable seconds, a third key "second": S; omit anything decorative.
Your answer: {"hour": 12, "minute": 44}
